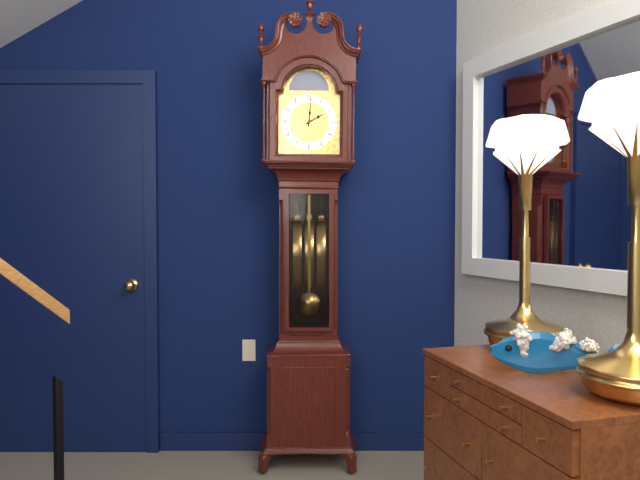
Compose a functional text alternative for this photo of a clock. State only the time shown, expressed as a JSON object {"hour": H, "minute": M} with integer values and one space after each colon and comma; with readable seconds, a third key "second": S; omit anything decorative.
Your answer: {"hour": 2, "minute": 1}
